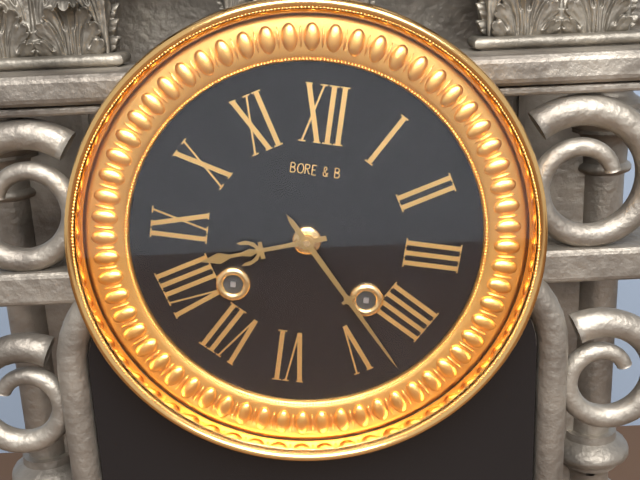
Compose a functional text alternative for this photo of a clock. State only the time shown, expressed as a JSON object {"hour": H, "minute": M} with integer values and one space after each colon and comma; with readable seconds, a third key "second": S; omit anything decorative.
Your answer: {"hour": 8, "minute": 23}
